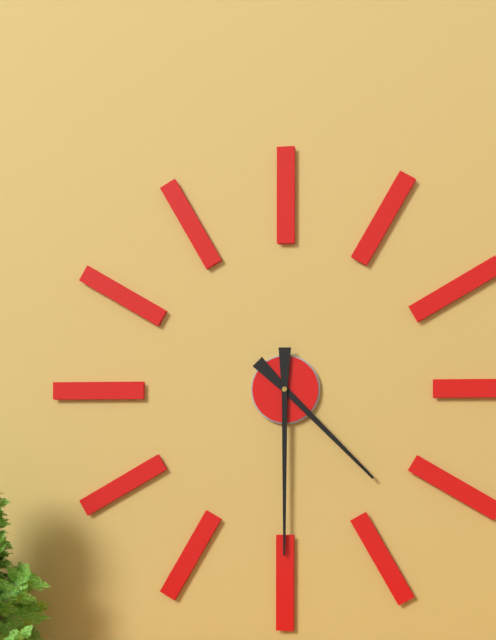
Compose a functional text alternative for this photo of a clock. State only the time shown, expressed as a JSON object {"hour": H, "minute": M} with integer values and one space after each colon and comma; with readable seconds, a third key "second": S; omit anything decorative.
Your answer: {"hour": 4, "minute": 30}
